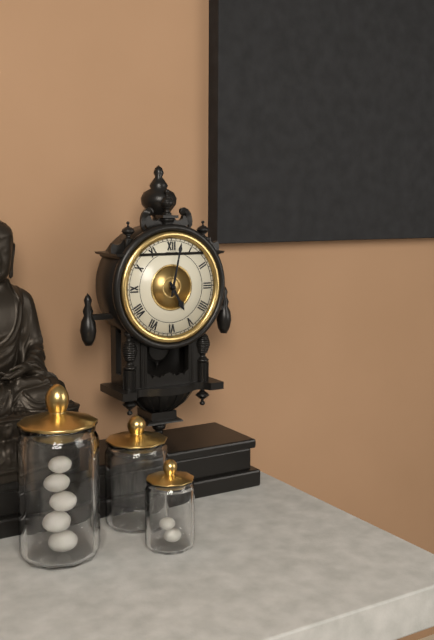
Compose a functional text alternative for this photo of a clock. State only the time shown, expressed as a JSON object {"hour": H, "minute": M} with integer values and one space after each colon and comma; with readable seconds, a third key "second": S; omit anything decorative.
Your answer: {"hour": 5, "minute": 2}
